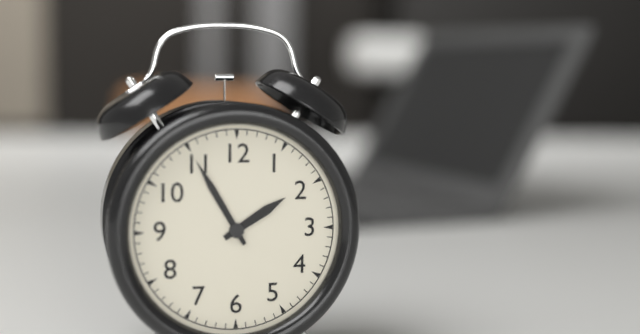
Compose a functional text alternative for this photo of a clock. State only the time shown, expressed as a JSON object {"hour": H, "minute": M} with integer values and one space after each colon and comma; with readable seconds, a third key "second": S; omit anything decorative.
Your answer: {"hour": 1, "minute": 55}
